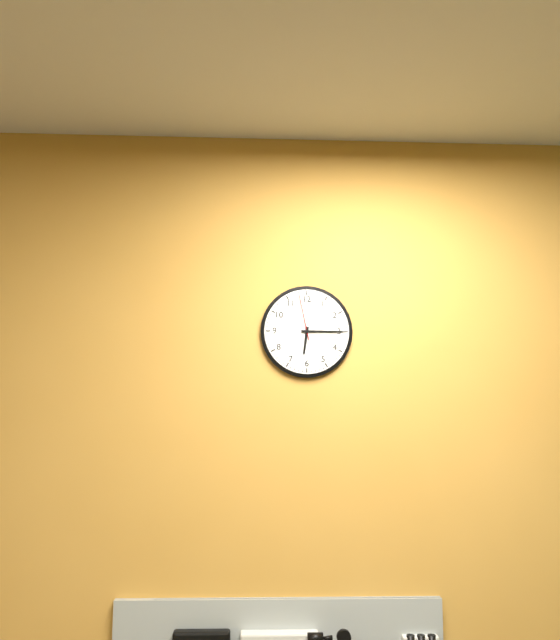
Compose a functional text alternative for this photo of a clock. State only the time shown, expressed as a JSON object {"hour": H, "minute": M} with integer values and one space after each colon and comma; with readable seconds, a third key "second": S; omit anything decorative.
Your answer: {"hour": 6, "minute": 15}
